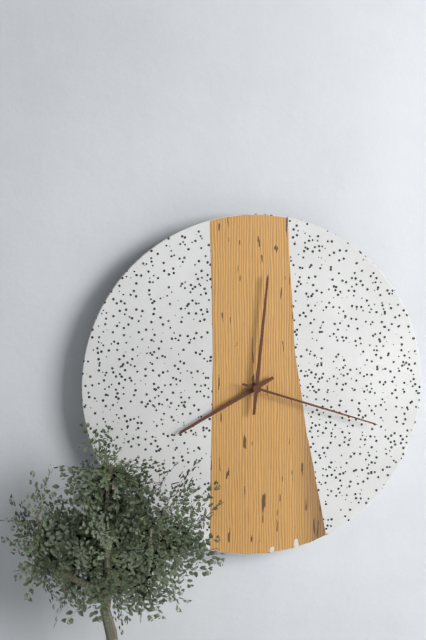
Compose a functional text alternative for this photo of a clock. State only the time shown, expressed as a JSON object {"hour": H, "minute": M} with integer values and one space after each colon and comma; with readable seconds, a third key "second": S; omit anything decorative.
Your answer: {"hour": 8, "minute": 1, "second": 18}
